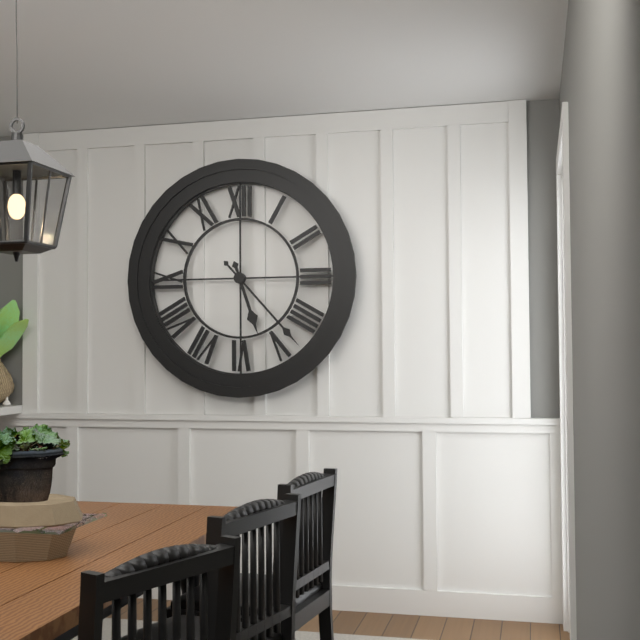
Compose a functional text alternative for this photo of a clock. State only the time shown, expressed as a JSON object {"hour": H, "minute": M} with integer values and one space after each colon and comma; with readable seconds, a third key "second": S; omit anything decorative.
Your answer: {"hour": 5, "minute": 23}
